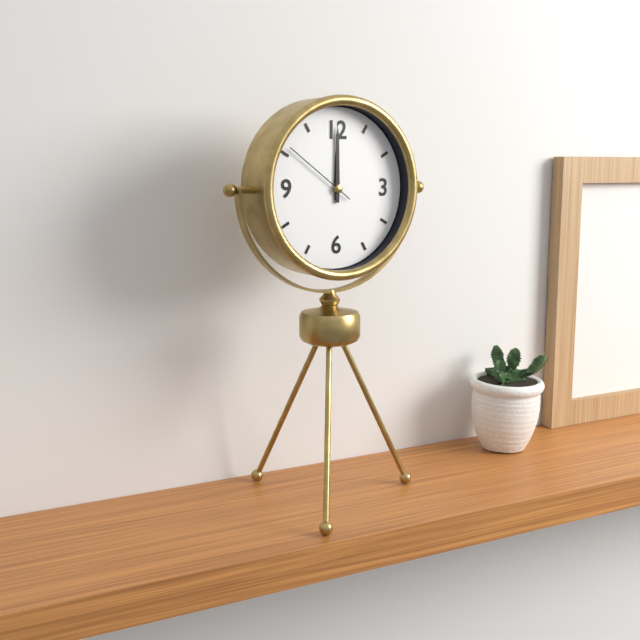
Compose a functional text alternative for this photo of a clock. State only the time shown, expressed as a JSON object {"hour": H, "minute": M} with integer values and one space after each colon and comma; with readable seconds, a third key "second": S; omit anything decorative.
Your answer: {"hour": 12, "minute": 0, "second": 51}
